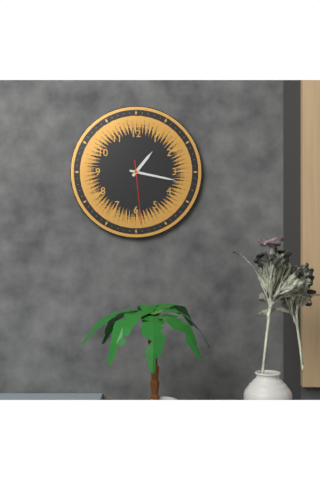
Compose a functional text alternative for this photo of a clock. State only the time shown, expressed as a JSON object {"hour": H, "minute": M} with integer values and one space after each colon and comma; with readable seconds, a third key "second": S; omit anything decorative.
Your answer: {"hour": 1, "minute": 17, "second": 29}
